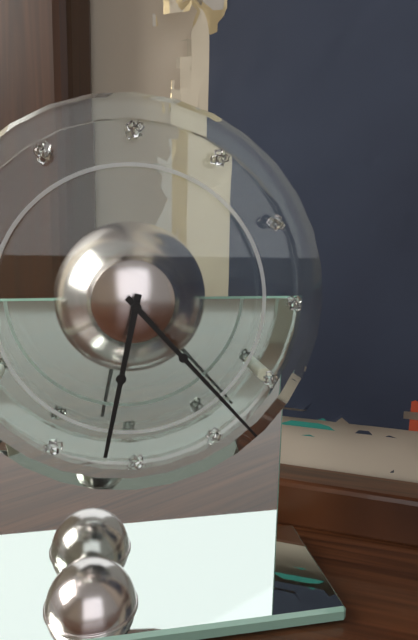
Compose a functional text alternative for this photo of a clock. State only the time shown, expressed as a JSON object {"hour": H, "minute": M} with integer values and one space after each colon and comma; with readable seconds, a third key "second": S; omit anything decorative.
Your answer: {"hour": 6, "minute": 23}
